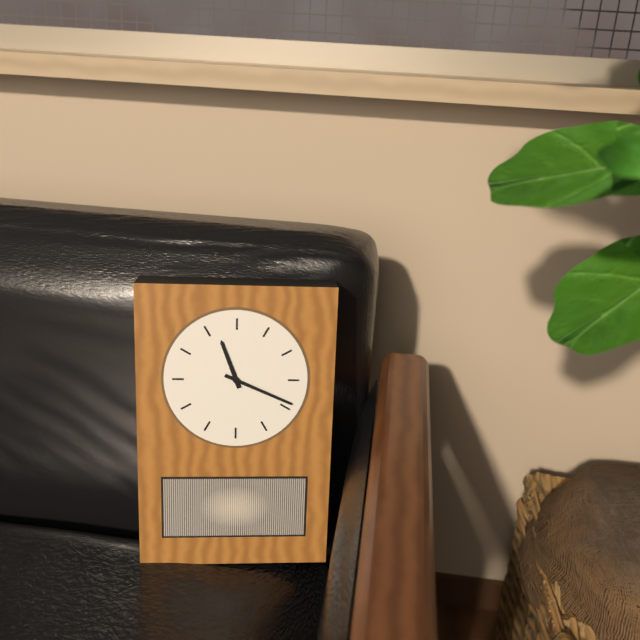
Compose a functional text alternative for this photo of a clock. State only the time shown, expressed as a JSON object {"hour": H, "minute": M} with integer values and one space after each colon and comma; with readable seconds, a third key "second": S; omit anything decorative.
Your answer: {"hour": 11, "minute": 19}
